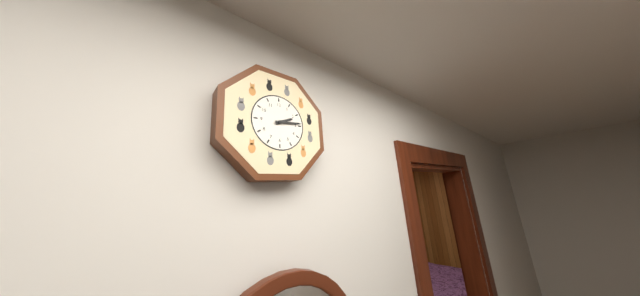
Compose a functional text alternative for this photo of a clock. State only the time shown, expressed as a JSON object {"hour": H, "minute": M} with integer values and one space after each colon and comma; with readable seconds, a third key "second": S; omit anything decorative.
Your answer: {"hour": 2, "minute": 14}
